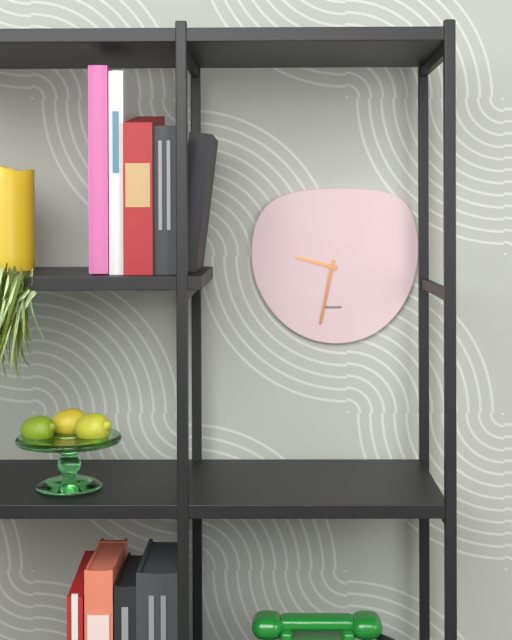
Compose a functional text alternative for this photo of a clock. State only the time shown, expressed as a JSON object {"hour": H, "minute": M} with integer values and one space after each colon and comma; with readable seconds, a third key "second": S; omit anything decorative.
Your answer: {"hour": 9, "minute": 32}
